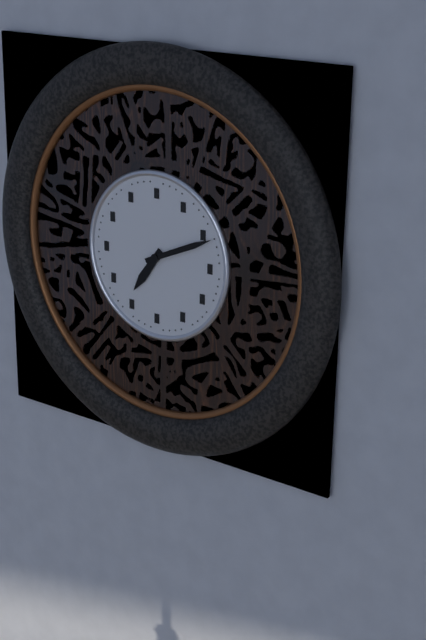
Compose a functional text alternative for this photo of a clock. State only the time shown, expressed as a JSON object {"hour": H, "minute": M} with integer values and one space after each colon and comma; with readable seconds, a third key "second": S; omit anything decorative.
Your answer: {"hour": 7, "minute": 11}
